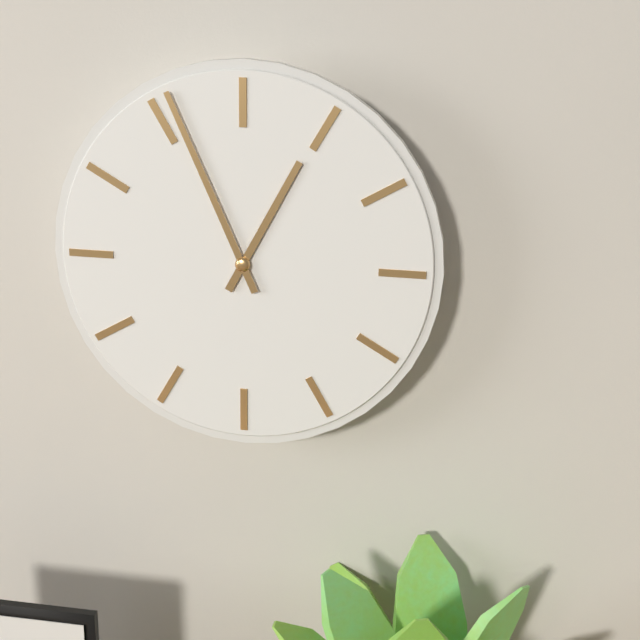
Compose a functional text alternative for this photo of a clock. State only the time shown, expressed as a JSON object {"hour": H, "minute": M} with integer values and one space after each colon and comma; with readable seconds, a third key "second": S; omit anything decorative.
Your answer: {"hour": 12, "minute": 56}
